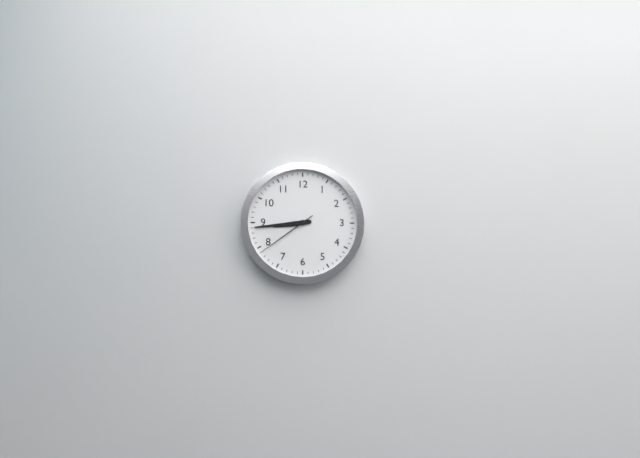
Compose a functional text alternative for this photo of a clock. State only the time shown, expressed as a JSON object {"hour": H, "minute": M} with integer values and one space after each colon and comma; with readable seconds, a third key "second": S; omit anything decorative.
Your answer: {"hour": 8, "minute": 44, "second": 39}
